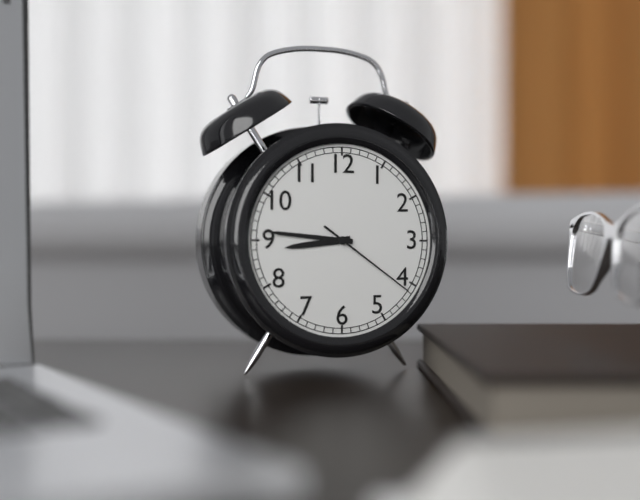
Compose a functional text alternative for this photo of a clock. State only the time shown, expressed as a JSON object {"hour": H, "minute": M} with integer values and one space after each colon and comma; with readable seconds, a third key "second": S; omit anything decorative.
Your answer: {"hour": 8, "minute": 46, "second": 21}
